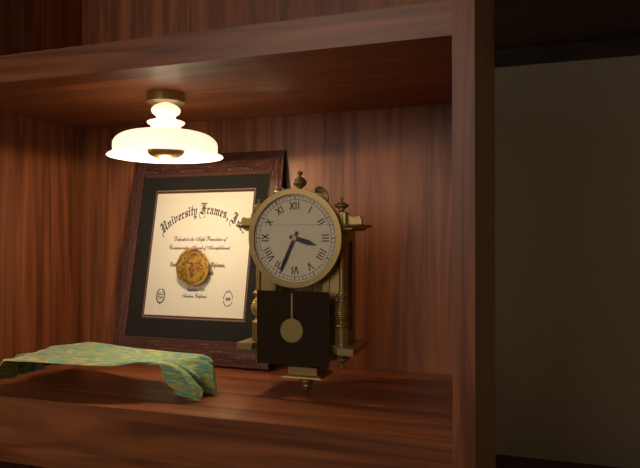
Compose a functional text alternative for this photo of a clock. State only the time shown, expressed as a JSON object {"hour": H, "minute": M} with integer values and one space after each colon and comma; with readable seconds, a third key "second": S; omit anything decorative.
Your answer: {"hour": 3, "minute": 34}
